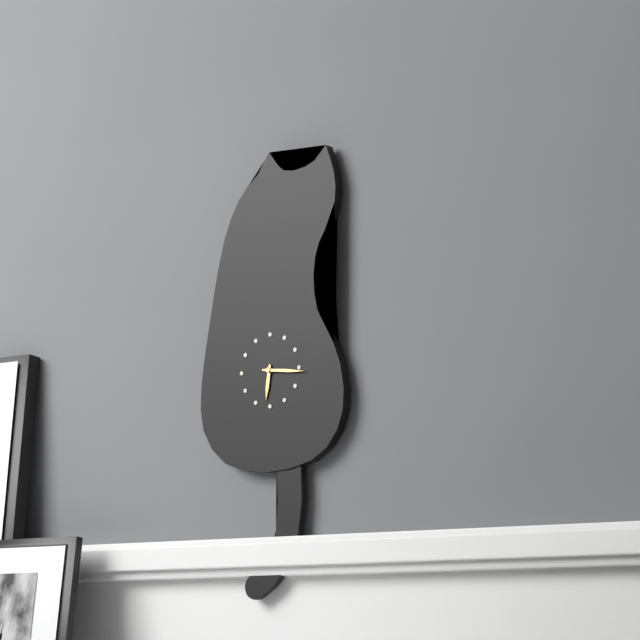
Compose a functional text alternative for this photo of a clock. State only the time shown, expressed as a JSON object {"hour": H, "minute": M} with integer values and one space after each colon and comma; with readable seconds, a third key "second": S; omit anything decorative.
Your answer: {"hour": 6, "minute": 16}
